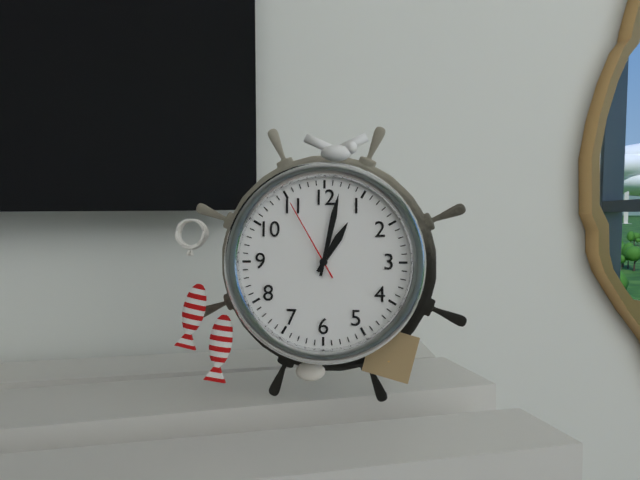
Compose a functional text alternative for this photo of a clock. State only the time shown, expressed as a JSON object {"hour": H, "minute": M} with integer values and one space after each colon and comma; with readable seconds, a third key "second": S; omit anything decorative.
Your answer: {"hour": 1, "minute": 2, "second": 55}
